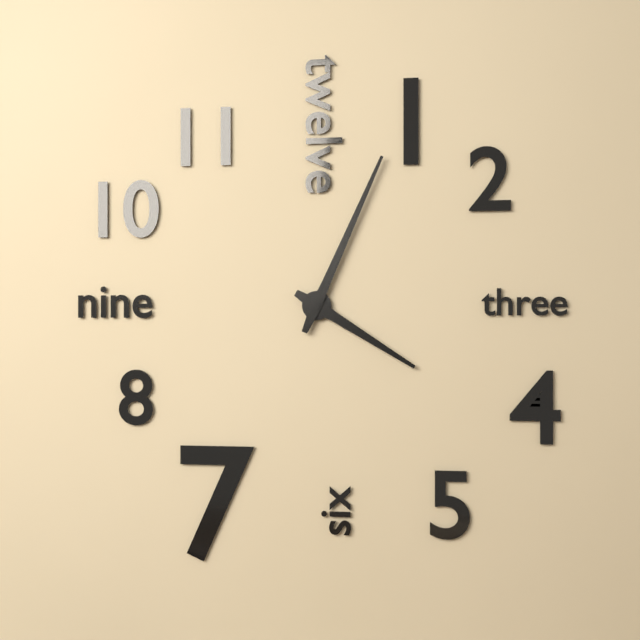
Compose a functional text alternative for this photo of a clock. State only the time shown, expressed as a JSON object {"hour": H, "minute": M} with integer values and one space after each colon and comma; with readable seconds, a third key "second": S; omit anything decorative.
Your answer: {"hour": 4, "minute": 4}
